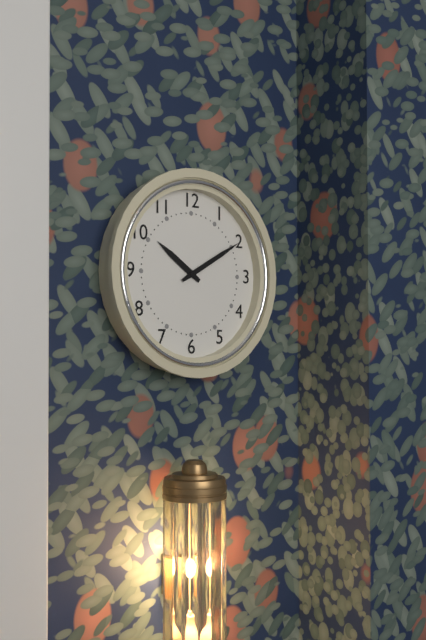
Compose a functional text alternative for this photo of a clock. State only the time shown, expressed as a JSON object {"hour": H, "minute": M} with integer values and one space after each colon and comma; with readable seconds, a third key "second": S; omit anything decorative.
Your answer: {"hour": 10, "minute": 10}
